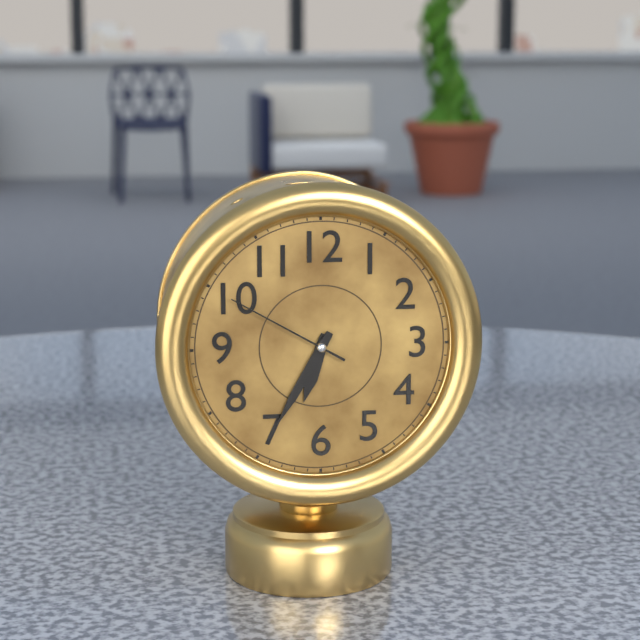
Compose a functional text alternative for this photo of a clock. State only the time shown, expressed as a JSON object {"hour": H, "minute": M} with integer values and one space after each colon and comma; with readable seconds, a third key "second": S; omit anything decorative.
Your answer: {"hour": 6, "minute": 35, "second": 50}
